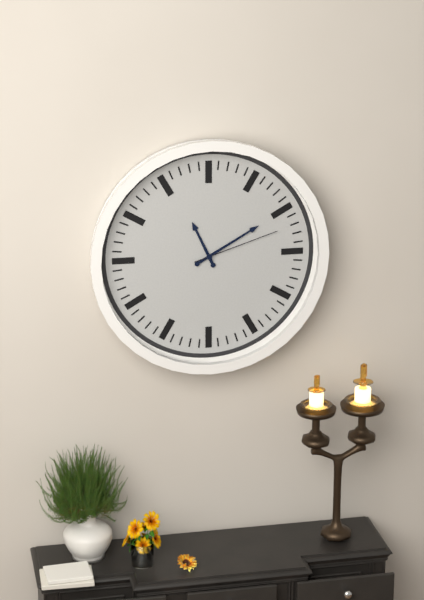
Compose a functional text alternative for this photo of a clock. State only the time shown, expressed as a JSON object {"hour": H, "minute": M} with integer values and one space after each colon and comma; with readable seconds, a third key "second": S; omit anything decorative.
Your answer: {"hour": 11, "minute": 10, "second": 12}
